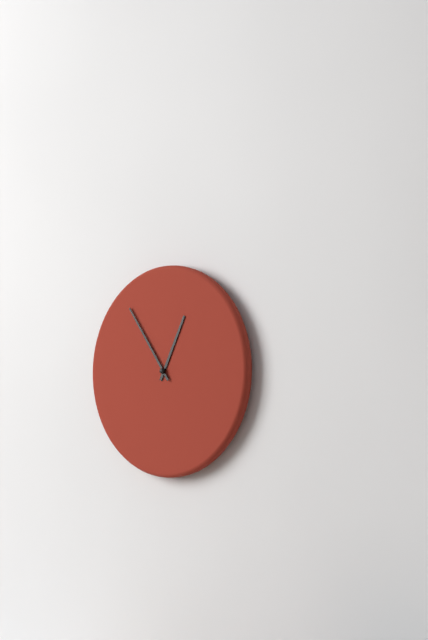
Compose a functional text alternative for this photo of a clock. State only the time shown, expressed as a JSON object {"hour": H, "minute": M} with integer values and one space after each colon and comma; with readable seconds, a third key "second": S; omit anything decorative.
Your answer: {"hour": 12, "minute": 54}
